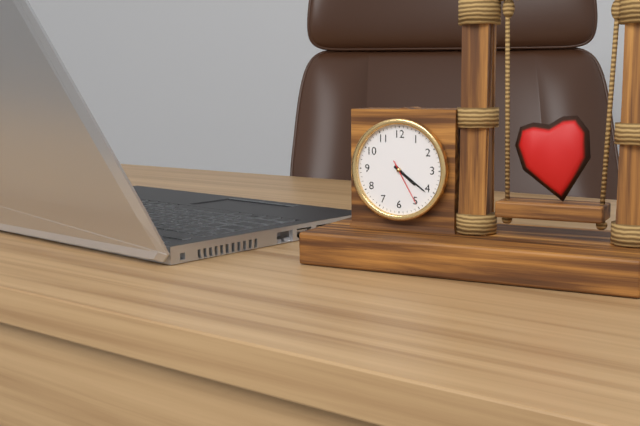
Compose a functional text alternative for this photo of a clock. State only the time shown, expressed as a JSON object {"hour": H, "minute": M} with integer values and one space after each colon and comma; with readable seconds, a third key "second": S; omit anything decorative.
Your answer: {"hour": 4, "minute": 21}
